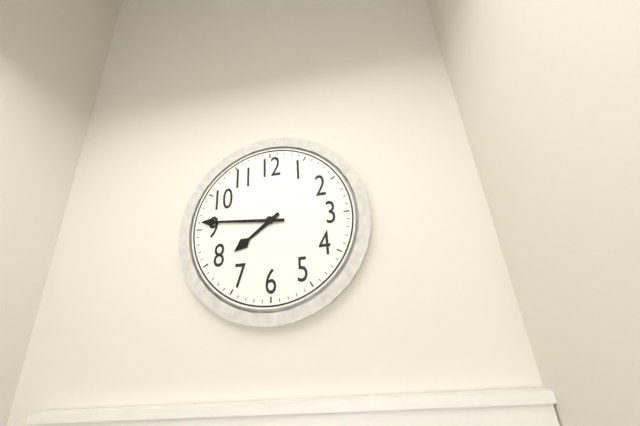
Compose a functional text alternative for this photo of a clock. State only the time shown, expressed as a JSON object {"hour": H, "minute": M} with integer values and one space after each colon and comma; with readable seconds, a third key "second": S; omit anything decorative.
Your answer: {"hour": 7, "minute": 46}
